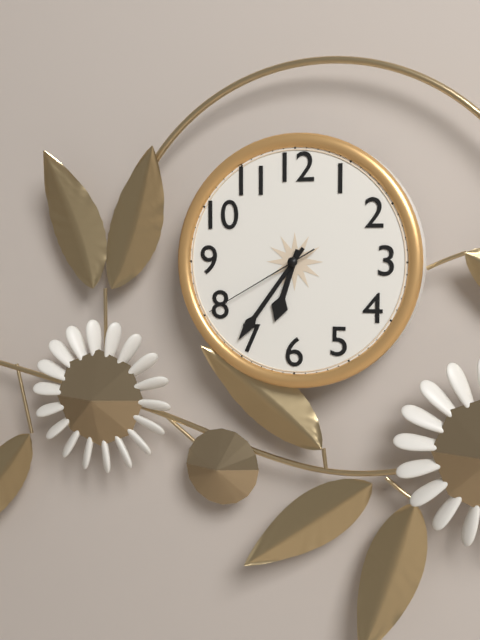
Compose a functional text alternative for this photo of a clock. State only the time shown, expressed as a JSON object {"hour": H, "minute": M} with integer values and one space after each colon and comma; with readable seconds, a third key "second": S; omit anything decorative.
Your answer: {"hour": 6, "minute": 36, "second": 40}
